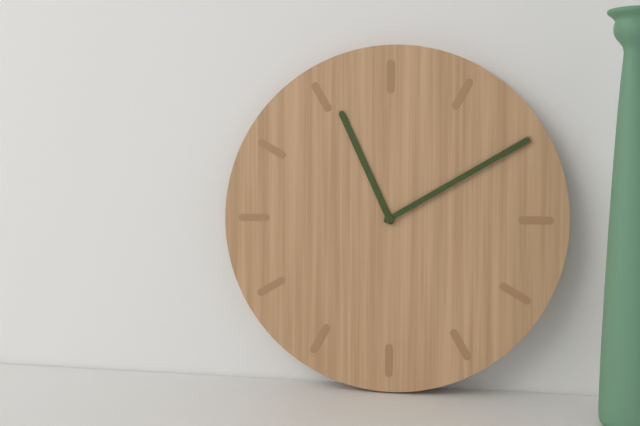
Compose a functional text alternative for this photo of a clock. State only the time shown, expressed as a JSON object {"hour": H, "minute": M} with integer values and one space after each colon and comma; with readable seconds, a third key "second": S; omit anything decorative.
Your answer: {"hour": 11, "minute": 10}
